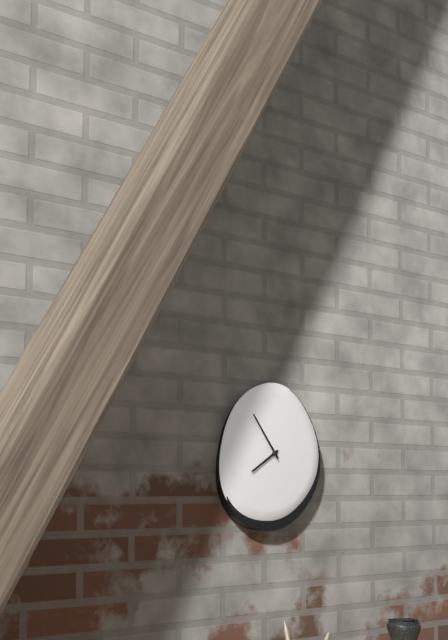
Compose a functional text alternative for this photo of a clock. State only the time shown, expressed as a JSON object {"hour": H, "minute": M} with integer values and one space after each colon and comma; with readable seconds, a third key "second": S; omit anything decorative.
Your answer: {"hour": 7, "minute": 54}
